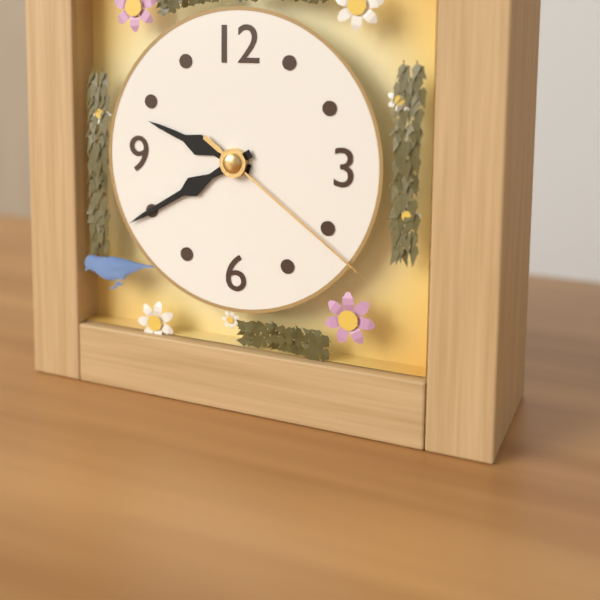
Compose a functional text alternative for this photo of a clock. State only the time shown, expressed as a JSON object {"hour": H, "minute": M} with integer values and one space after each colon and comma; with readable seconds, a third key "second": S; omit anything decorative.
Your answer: {"hour": 9, "minute": 40, "second": 21}
